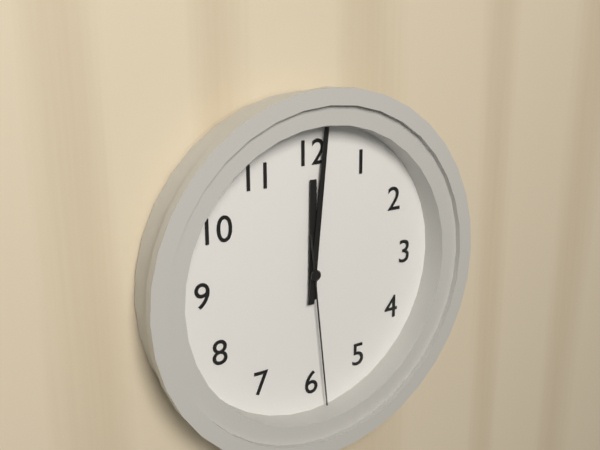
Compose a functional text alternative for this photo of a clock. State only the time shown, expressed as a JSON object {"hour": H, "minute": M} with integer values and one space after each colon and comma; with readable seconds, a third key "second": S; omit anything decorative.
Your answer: {"hour": 12, "minute": 1, "second": 29}
